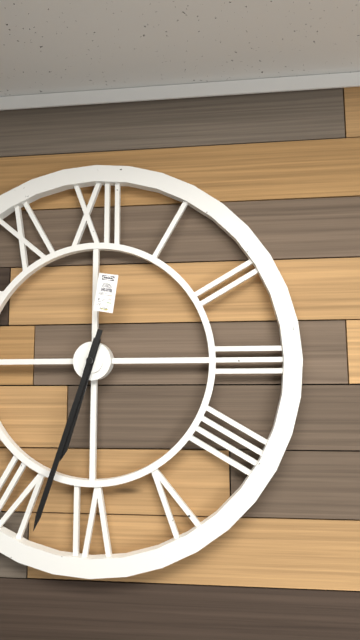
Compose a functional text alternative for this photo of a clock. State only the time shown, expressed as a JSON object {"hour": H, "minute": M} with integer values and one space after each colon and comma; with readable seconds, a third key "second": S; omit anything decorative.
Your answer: {"hour": 6, "minute": 33}
